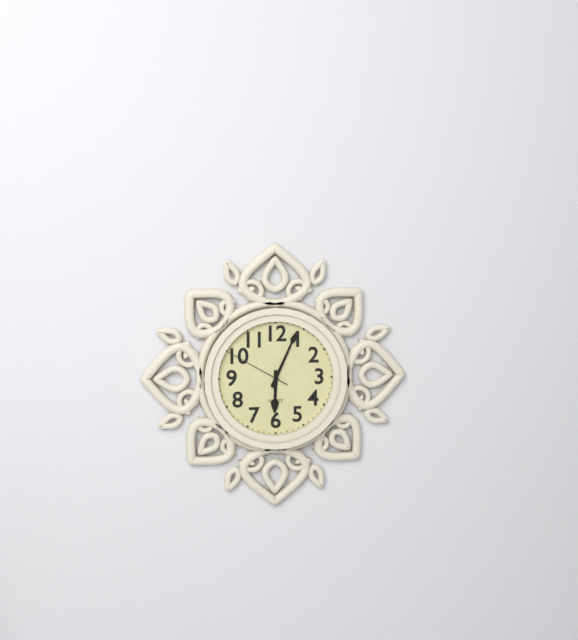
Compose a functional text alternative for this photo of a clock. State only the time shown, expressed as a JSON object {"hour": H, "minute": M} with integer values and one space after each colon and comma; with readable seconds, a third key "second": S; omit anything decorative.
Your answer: {"hour": 6, "minute": 4, "second": 50}
